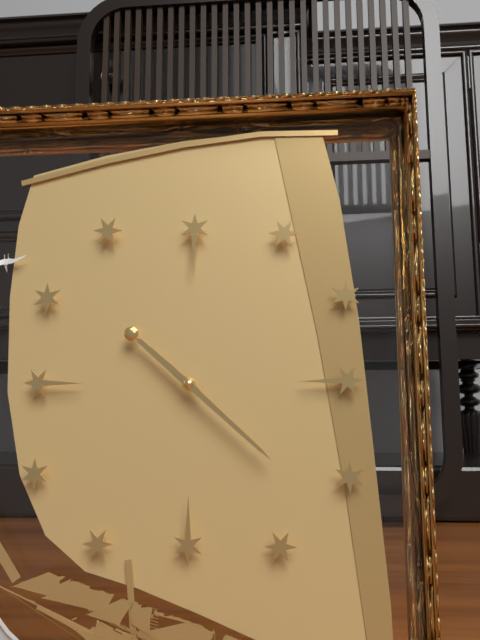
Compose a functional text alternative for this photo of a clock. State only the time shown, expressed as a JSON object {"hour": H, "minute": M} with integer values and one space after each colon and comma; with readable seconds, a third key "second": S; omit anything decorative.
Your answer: {"hour": 10, "minute": 22}
